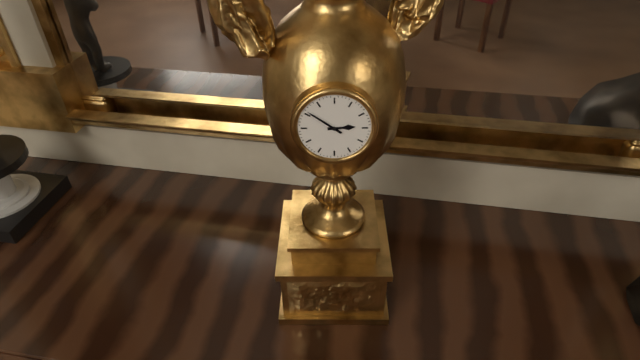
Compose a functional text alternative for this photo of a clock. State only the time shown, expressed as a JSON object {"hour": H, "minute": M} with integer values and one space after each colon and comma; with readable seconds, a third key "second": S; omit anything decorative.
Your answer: {"hour": 2, "minute": 51}
